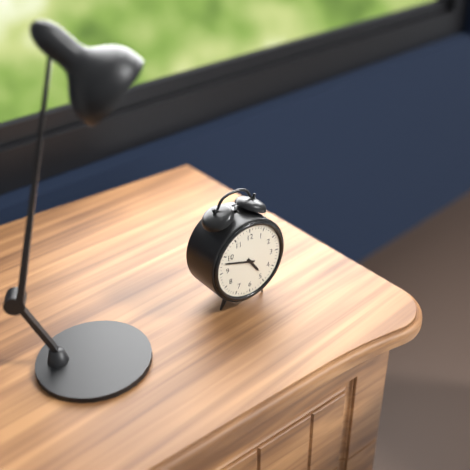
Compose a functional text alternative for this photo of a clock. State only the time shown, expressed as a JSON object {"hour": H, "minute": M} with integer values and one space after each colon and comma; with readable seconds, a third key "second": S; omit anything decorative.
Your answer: {"hour": 4, "minute": 48}
